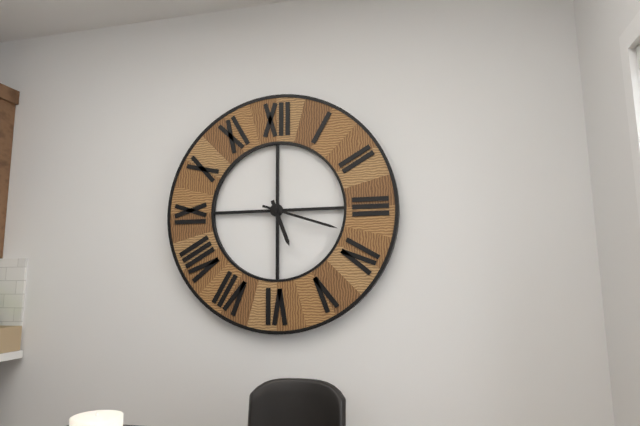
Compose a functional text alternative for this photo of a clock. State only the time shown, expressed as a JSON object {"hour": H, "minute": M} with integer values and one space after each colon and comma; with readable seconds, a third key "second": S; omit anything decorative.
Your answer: {"hour": 5, "minute": 18}
